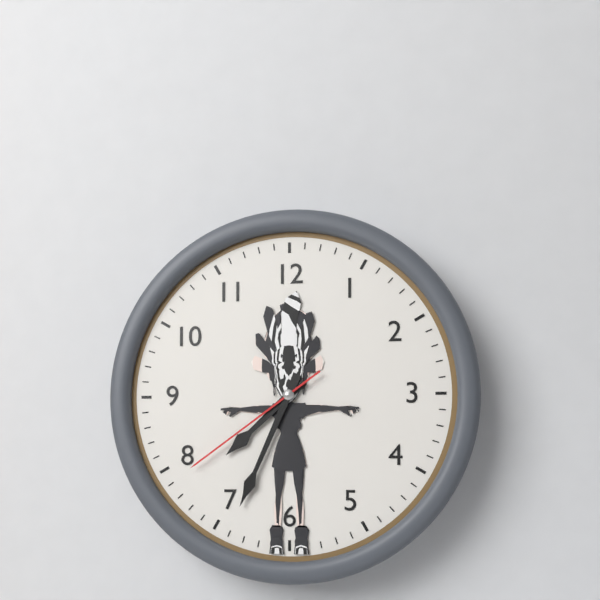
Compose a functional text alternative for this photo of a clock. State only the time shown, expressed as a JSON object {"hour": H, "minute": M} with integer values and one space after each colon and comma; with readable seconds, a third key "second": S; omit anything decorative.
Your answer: {"hour": 7, "minute": 34, "second": 39}
